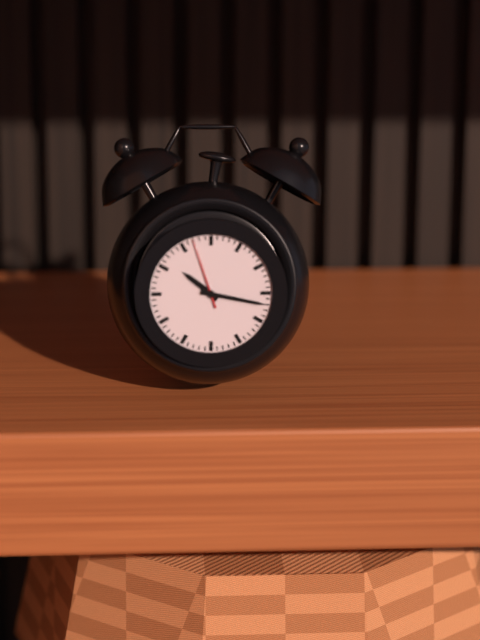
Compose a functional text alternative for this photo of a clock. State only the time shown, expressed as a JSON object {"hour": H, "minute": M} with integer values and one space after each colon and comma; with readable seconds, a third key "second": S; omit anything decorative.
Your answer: {"hour": 10, "minute": 17}
